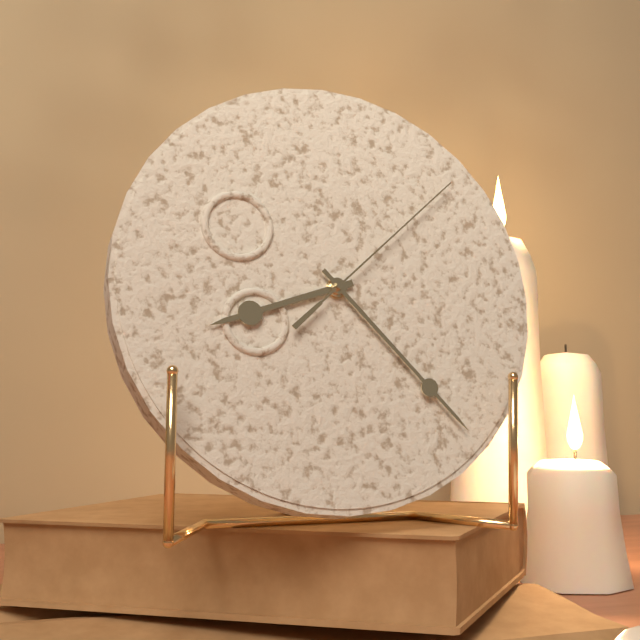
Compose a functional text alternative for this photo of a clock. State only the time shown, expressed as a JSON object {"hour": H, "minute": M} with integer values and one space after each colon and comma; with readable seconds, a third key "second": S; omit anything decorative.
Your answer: {"hour": 8, "minute": 23, "second": 8}
